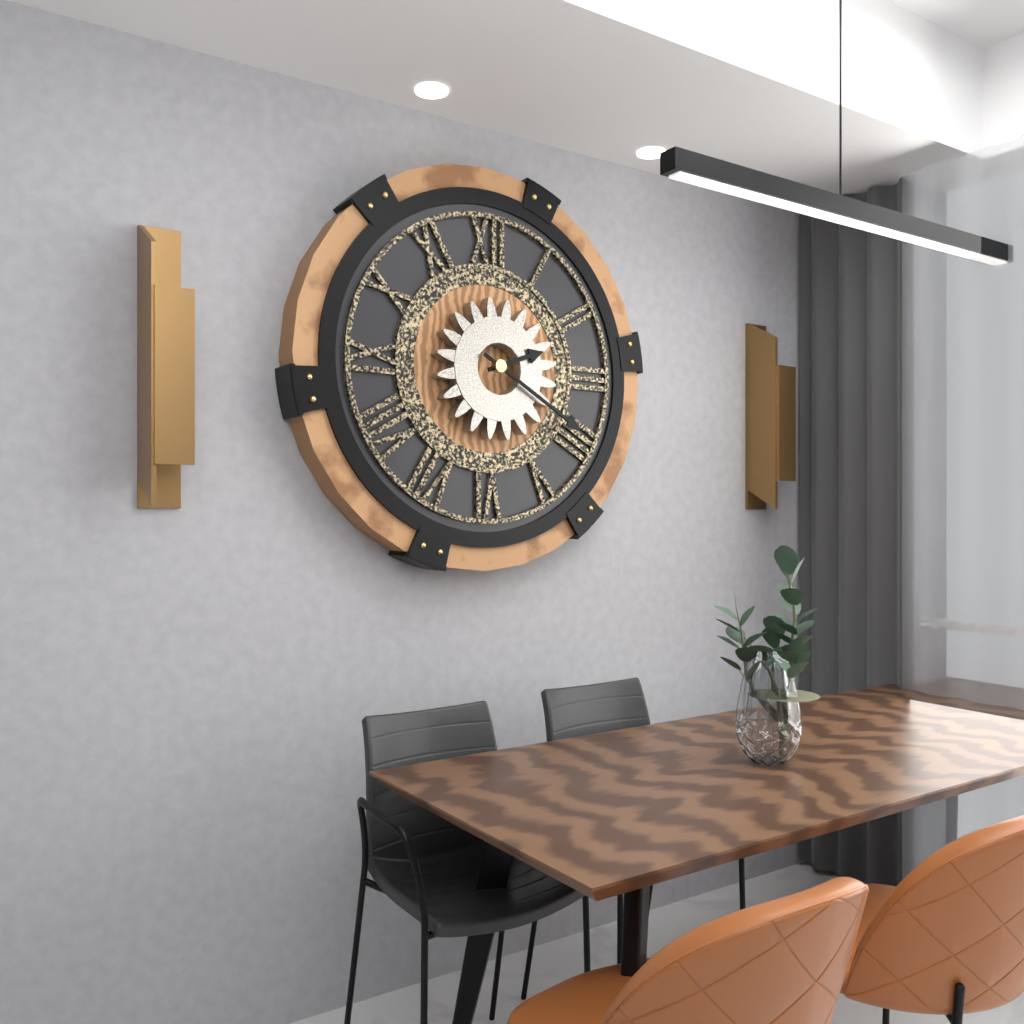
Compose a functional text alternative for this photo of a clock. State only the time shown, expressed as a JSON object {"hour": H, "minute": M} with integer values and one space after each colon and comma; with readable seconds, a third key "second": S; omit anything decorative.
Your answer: {"hour": 2, "minute": 20}
